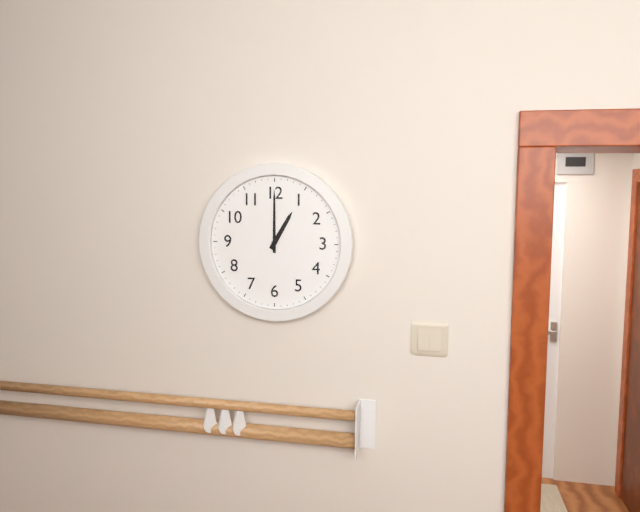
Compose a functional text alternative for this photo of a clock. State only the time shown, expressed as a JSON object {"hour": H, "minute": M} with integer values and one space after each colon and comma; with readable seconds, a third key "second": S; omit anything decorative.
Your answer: {"hour": 1, "minute": 0}
